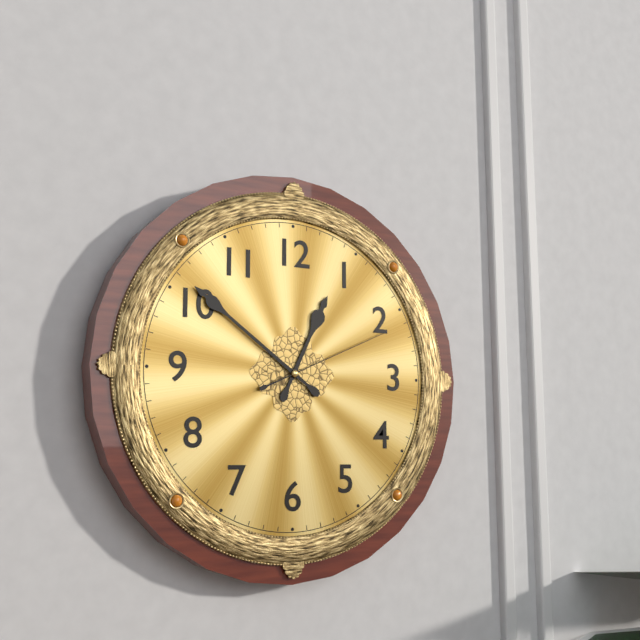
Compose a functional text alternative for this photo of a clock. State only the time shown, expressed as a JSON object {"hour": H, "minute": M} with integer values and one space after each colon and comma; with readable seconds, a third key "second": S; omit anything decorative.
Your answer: {"hour": 12, "minute": 51, "second": 11}
